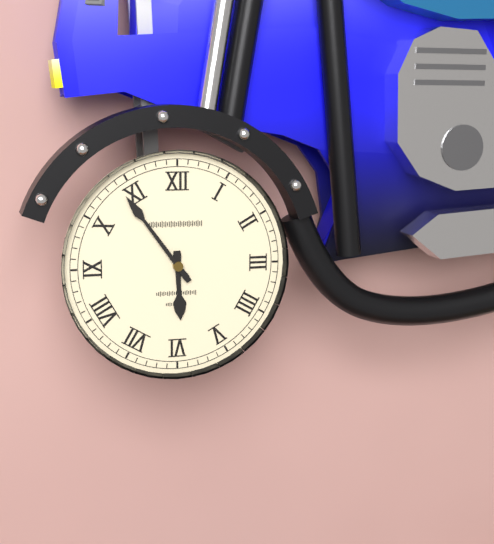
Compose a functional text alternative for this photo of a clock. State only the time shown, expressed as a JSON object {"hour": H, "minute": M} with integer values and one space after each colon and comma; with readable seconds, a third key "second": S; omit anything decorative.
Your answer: {"hour": 5, "minute": 54}
